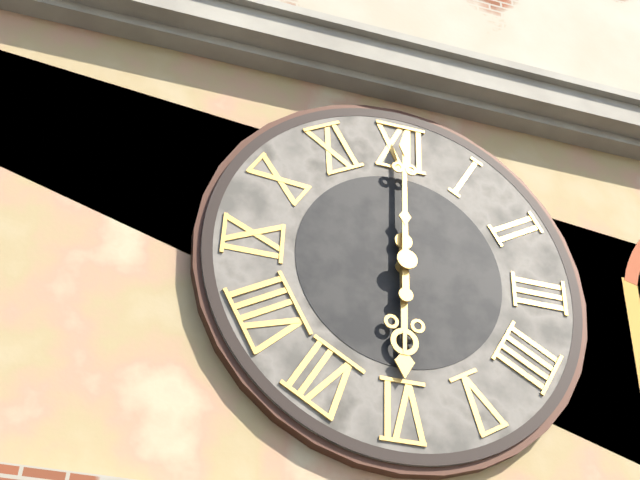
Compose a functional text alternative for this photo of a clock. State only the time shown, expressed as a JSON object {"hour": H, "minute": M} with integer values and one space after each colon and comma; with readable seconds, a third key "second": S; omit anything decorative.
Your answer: {"hour": 6, "minute": 0}
